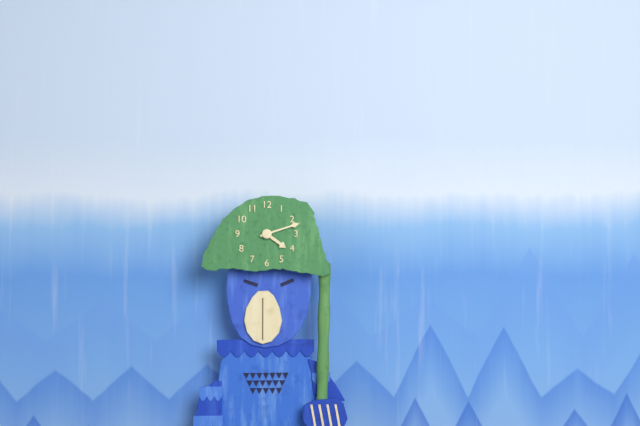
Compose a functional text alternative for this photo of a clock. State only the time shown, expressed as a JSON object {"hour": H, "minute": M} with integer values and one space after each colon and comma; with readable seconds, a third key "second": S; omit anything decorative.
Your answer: {"hour": 4, "minute": 12}
